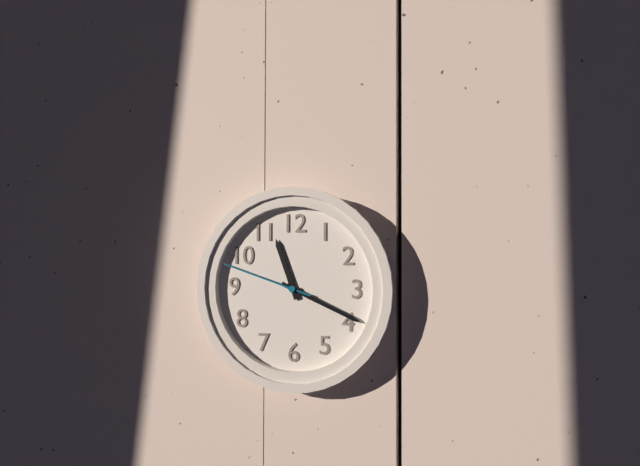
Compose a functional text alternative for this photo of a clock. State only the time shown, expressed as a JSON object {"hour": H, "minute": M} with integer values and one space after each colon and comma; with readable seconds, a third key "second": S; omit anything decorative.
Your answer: {"hour": 11, "minute": 19, "second": 48}
